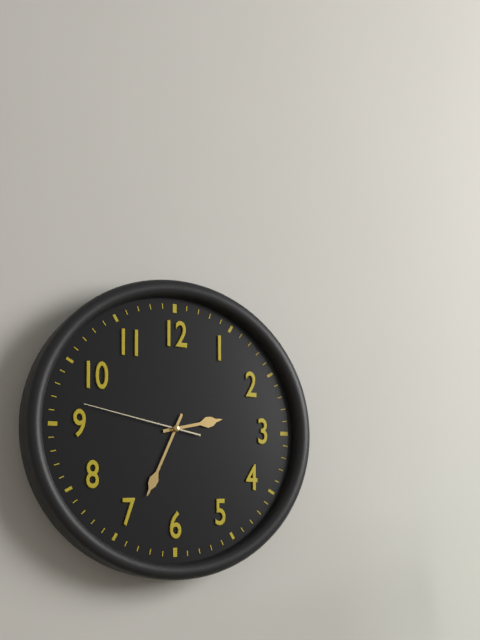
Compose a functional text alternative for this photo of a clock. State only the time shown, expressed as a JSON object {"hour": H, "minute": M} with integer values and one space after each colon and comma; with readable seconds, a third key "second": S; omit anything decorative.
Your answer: {"hour": 2, "minute": 34, "second": 47}
